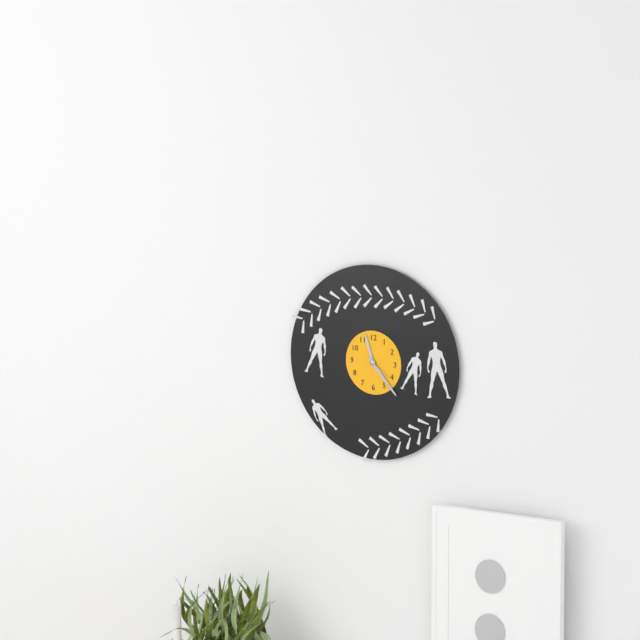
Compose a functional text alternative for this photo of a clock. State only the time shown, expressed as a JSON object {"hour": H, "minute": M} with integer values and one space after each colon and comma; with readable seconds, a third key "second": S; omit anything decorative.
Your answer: {"hour": 11, "minute": 23}
